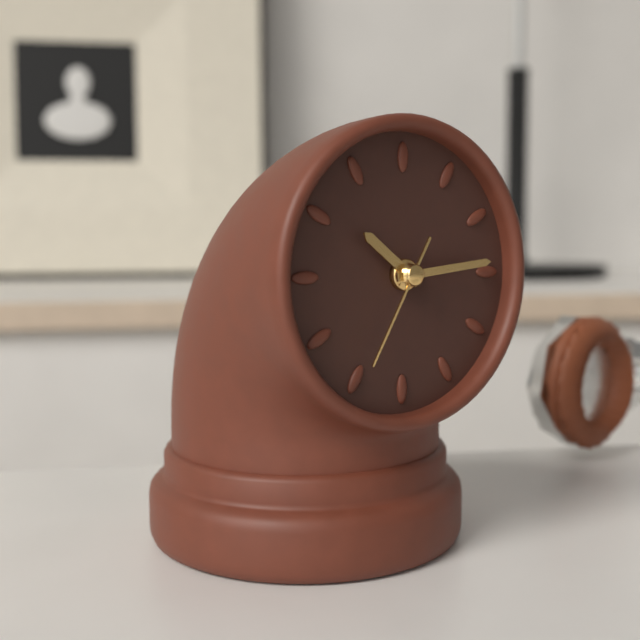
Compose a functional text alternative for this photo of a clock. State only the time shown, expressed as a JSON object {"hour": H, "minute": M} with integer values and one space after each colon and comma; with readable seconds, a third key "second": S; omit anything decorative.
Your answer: {"hour": 10, "minute": 14, "second": 35}
